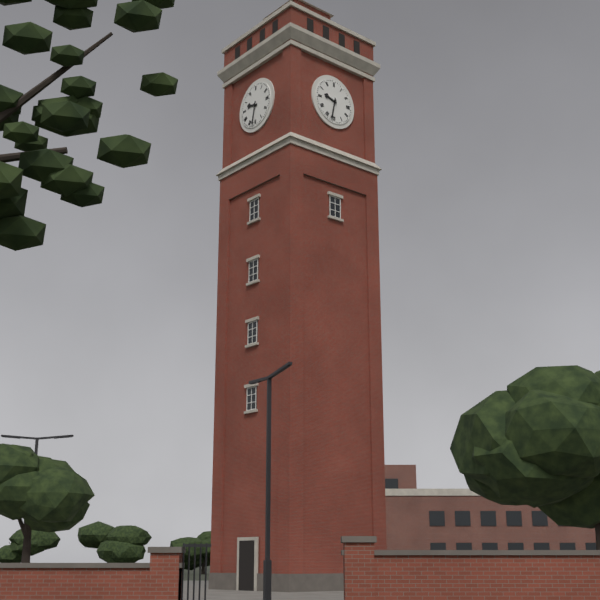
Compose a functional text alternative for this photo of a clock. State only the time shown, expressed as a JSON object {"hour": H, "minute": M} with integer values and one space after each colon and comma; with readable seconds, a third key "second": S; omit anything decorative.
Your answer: {"hour": 9, "minute": 32}
